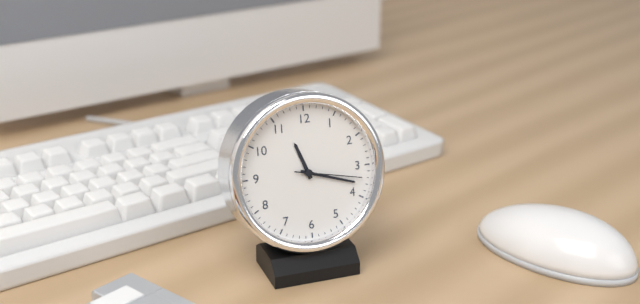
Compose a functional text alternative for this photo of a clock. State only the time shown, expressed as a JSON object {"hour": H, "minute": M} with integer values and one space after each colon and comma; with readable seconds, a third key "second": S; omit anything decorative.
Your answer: {"hour": 11, "minute": 18, "second": 17}
